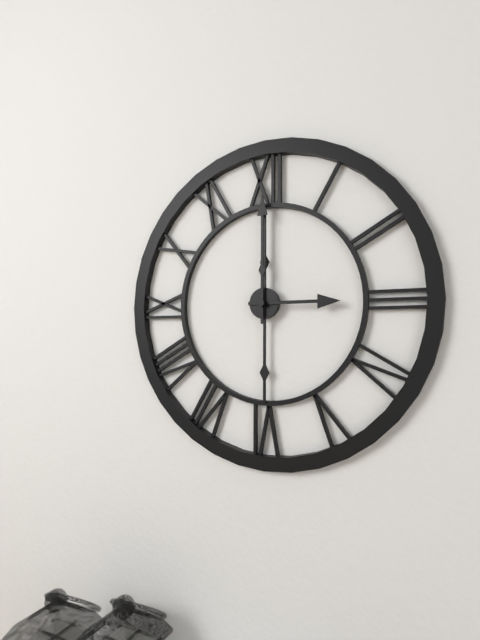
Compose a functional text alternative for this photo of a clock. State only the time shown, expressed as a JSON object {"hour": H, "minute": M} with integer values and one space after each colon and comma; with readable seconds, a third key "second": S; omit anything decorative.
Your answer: {"hour": 3, "minute": 0}
